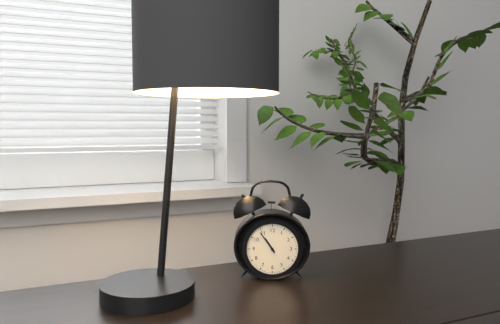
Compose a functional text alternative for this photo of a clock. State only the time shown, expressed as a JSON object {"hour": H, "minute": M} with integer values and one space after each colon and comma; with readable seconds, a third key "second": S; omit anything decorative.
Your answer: {"hour": 10, "minute": 54}
